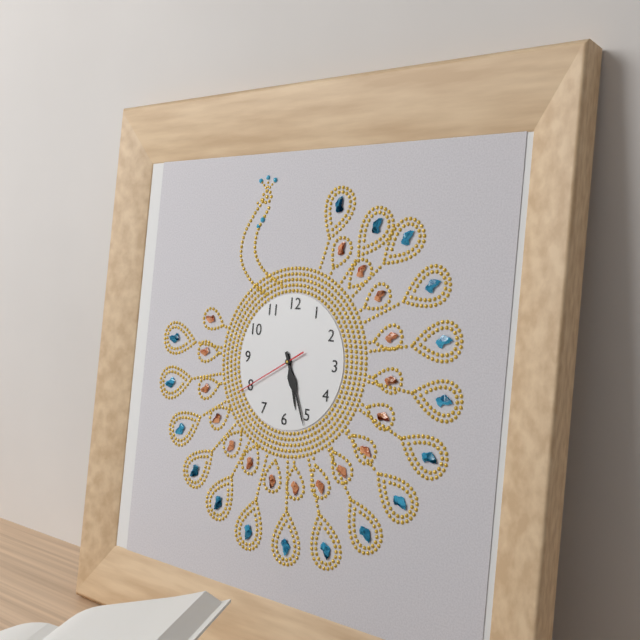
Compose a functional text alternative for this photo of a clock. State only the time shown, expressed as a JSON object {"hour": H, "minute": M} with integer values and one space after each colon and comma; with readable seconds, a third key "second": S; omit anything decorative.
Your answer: {"hour": 5, "minute": 26, "second": 40}
